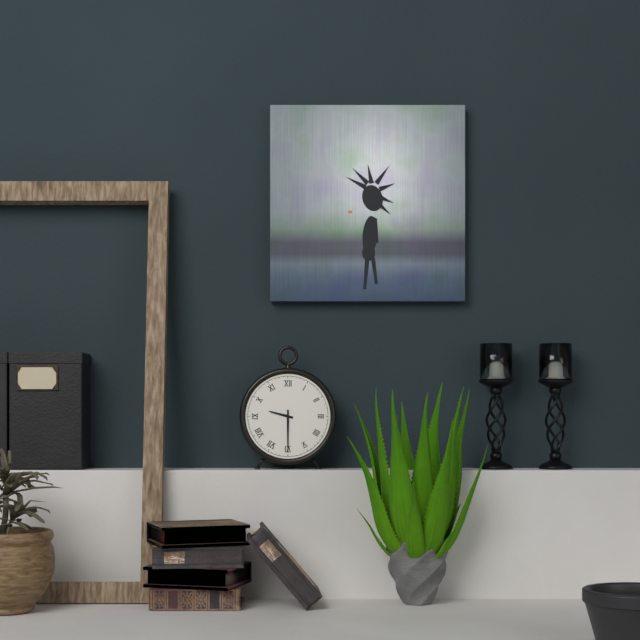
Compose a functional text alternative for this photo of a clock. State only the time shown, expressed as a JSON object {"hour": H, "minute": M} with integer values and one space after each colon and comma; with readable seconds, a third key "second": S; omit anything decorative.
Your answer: {"hour": 9, "minute": 30}
